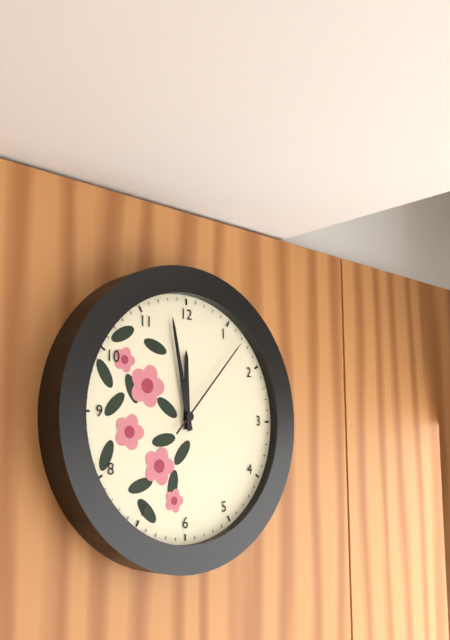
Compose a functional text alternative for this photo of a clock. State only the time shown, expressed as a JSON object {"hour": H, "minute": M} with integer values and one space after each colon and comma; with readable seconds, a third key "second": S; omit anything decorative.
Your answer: {"hour": 11, "minute": 58, "second": 7}
